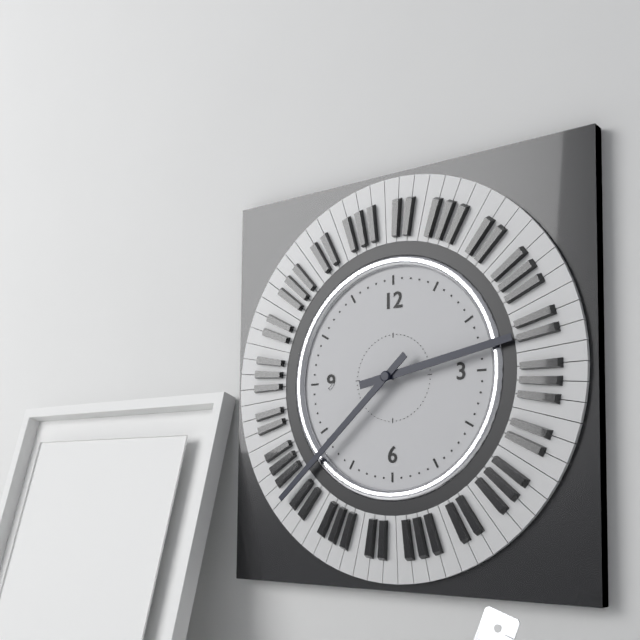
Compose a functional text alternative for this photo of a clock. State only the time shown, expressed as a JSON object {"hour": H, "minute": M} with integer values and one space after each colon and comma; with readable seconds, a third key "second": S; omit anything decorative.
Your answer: {"hour": 2, "minute": 38}
